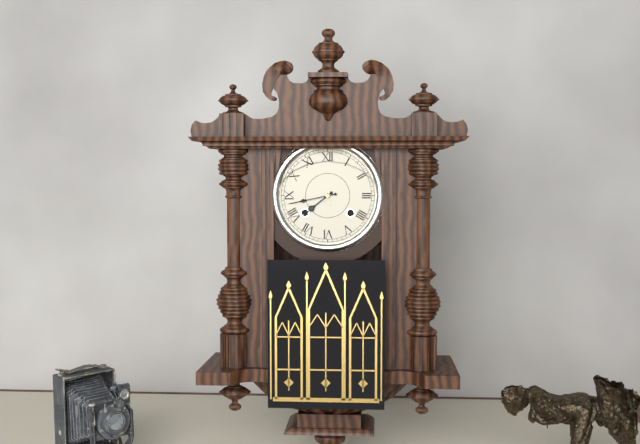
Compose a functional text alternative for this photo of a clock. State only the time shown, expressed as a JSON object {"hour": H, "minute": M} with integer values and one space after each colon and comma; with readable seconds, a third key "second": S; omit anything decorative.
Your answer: {"hour": 7, "minute": 43}
